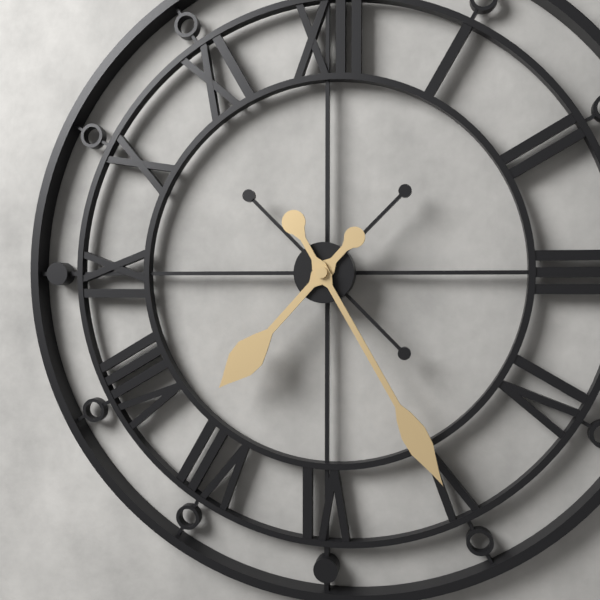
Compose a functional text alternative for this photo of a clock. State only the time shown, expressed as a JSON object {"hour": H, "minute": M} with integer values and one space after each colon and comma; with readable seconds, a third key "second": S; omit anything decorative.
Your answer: {"hour": 7, "minute": 25}
